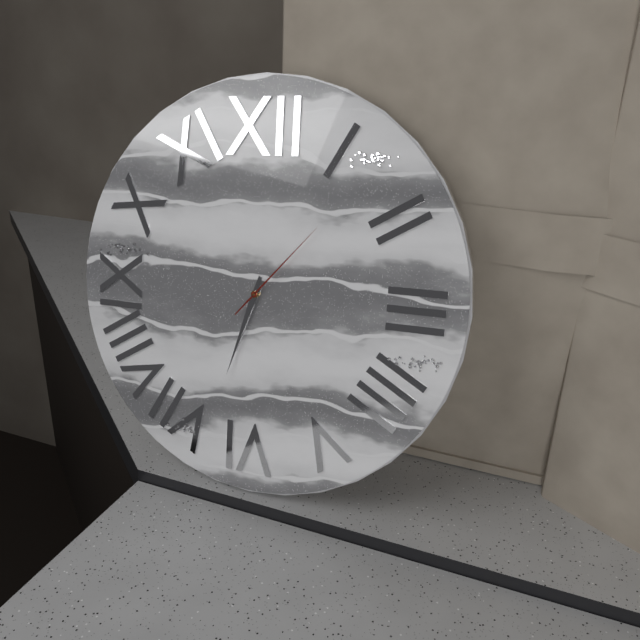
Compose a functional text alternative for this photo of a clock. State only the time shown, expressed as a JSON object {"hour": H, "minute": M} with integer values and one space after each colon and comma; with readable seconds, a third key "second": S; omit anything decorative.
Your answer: {"hour": 6, "minute": 33, "second": 7}
